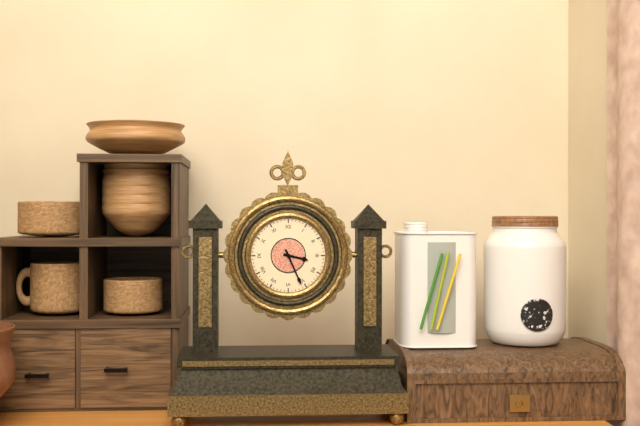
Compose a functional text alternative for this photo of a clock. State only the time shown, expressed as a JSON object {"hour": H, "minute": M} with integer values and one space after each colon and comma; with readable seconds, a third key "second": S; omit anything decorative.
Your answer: {"hour": 3, "minute": 26}
